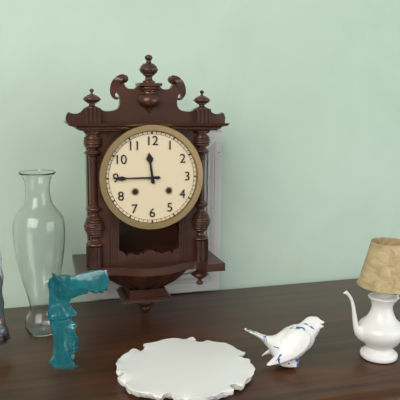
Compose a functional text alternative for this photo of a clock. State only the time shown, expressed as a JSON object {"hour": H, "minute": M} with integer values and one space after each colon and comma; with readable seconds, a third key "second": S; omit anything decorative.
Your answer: {"hour": 11, "minute": 45}
